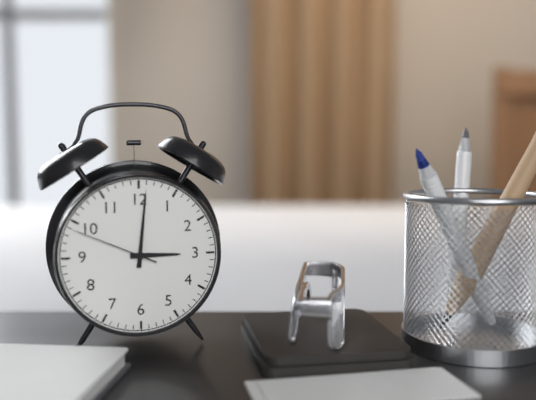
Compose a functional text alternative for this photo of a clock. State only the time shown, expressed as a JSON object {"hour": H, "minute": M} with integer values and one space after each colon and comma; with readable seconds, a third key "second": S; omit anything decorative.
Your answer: {"hour": 3, "minute": 1, "second": 49}
